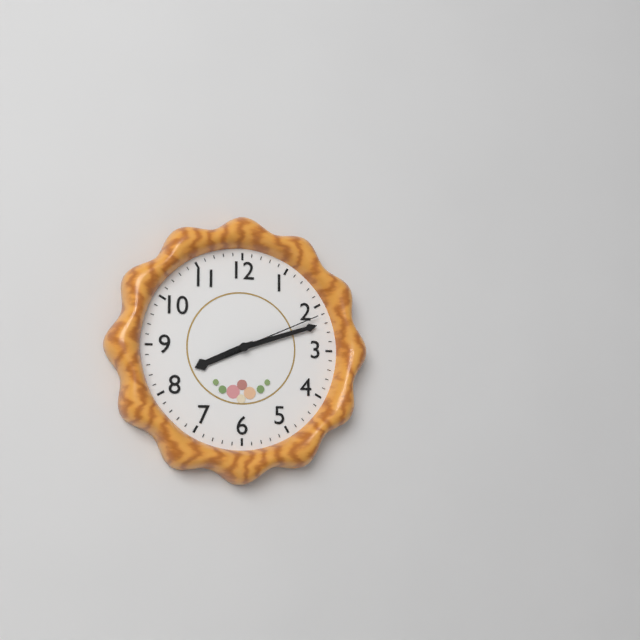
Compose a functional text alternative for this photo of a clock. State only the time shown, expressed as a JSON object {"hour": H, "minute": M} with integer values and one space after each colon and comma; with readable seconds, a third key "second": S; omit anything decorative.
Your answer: {"hour": 8, "minute": 12, "second": 11}
